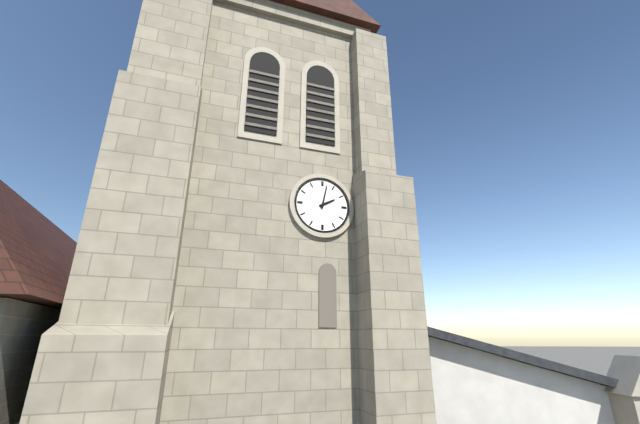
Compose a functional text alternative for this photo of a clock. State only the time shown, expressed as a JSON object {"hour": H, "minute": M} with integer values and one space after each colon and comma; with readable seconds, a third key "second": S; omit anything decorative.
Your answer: {"hour": 2, "minute": 2}
